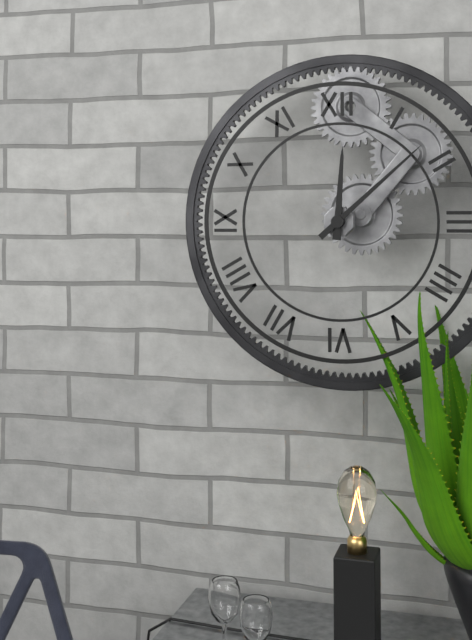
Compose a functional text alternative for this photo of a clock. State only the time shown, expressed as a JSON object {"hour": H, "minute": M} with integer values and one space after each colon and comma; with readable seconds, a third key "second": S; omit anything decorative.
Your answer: {"hour": 12, "minute": 8}
